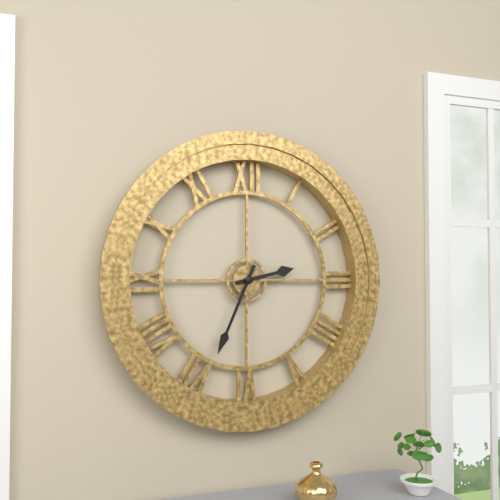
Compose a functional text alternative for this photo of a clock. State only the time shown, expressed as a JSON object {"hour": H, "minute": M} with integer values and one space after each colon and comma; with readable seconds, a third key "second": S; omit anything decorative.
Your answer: {"hour": 2, "minute": 34}
